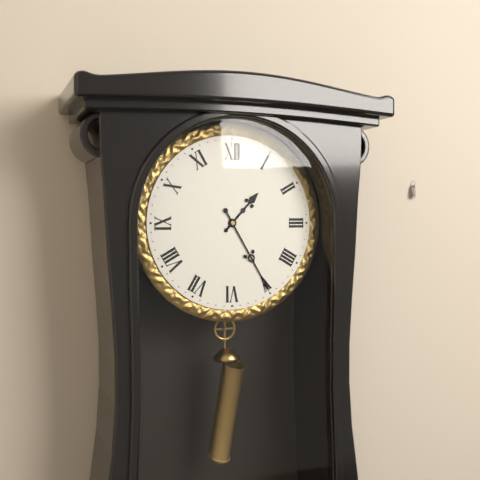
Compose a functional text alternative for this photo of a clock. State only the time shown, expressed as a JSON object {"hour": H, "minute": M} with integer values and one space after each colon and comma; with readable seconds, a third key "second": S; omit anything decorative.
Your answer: {"hour": 1, "minute": 25}
